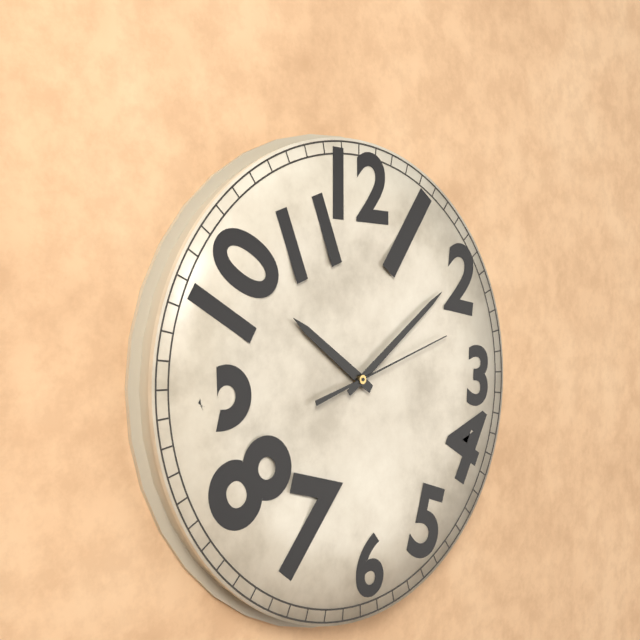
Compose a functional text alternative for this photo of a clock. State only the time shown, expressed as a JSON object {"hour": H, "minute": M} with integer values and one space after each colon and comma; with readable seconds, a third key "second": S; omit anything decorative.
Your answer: {"hour": 10, "minute": 9, "second": 12}
